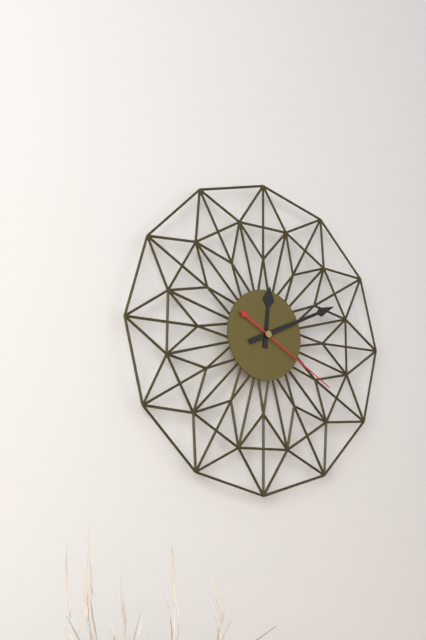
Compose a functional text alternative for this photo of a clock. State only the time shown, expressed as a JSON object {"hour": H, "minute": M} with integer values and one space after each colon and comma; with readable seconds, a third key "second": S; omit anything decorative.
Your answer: {"hour": 12, "minute": 11, "second": 20}
